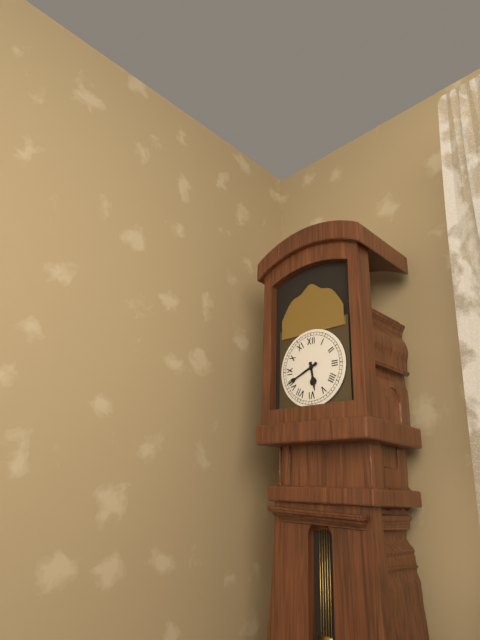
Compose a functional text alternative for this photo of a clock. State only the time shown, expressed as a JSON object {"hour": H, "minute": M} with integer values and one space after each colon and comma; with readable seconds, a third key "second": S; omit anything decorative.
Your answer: {"hour": 5, "minute": 41}
